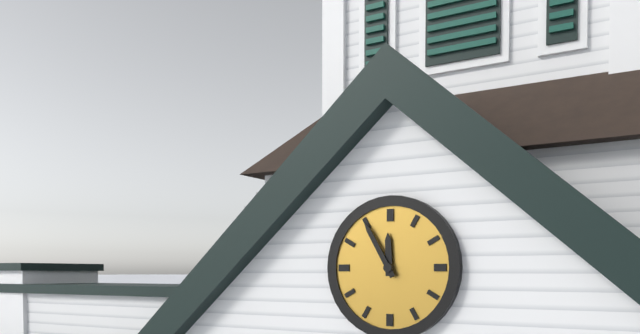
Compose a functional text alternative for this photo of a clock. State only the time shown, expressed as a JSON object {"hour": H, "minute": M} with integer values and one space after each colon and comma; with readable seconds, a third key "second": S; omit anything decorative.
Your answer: {"hour": 11, "minute": 55}
